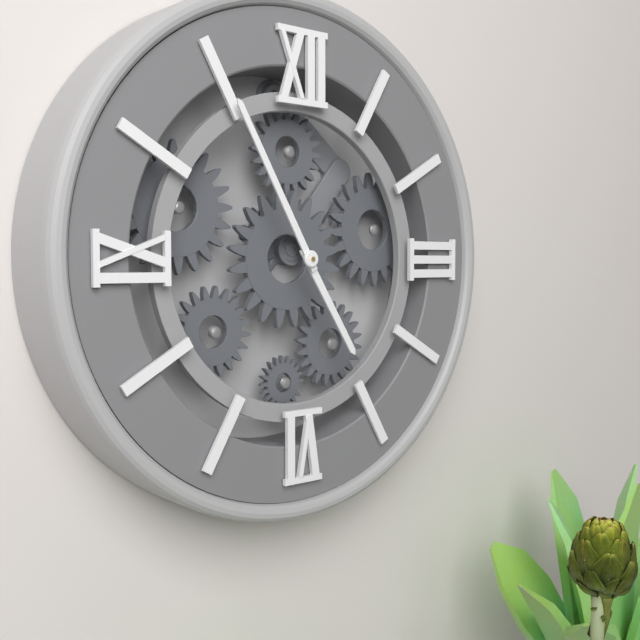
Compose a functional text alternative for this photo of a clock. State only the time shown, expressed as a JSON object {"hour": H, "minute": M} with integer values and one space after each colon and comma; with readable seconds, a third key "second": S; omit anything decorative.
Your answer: {"hour": 4, "minute": 55}
